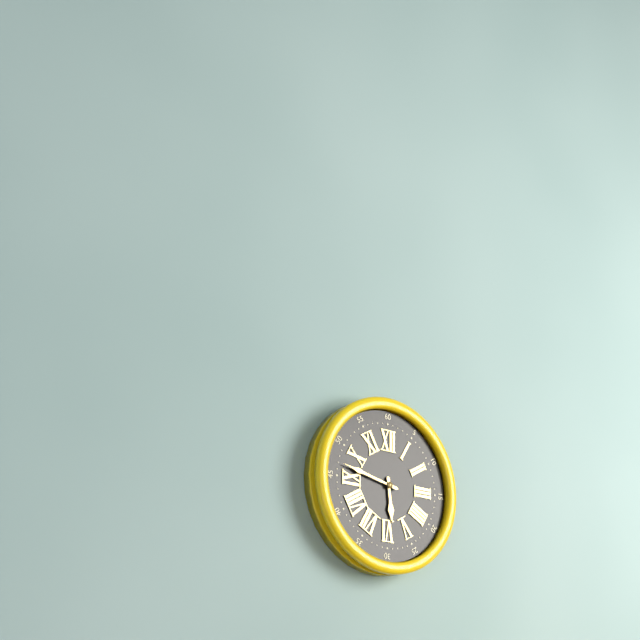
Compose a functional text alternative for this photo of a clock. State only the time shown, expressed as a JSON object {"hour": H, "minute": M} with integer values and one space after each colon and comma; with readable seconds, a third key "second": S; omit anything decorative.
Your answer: {"hour": 5, "minute": 47}
